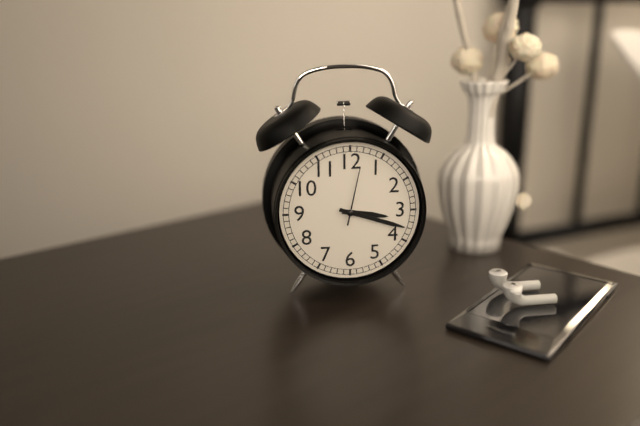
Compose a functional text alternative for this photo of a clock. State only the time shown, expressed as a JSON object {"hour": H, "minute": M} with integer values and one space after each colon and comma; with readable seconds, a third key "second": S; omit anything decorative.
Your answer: {"hour": 3, "minute": 18, "second": 2}
